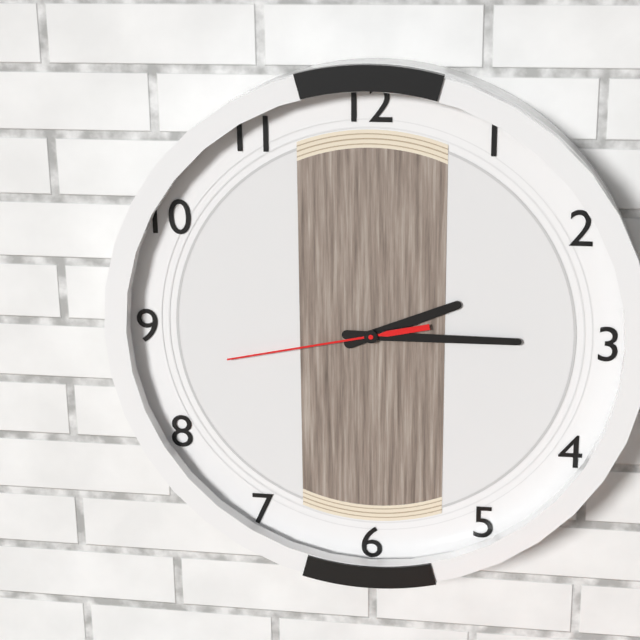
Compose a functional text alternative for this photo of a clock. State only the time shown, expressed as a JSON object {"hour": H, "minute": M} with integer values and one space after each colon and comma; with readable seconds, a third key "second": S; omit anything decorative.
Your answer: {"hour": 2, "minute": 15, "second": 43}
